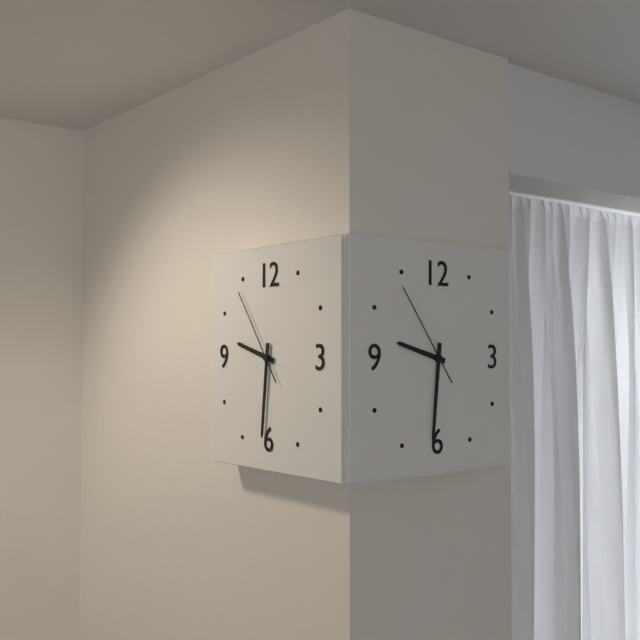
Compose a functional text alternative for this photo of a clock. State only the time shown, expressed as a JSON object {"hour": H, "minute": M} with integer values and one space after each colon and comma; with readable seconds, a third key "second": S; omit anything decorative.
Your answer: {"hour": 9, "minute": 31, "second": 54}
